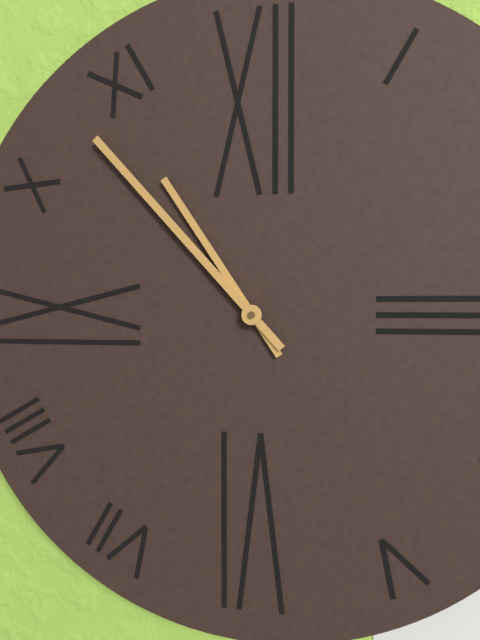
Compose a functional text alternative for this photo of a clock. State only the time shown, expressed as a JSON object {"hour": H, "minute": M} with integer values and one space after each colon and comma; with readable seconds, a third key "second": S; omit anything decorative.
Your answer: {"hour": 10, "minute": 53}
